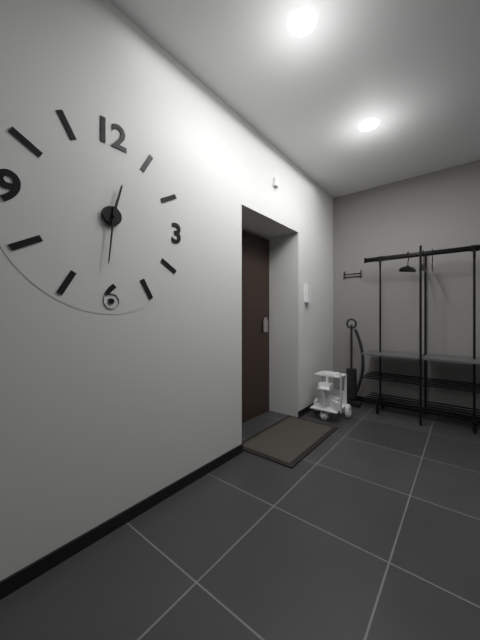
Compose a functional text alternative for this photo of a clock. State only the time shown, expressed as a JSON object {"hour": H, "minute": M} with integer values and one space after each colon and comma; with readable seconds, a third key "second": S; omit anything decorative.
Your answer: {"hour": 12, "minute": 31}
